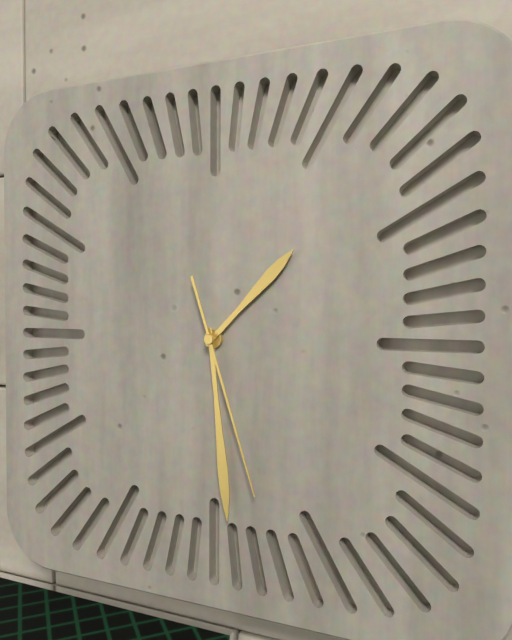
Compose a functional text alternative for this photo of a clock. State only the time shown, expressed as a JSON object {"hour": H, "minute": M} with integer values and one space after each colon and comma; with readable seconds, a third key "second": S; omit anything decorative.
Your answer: {"hour": 1, "minute": 29, "second": 27}
